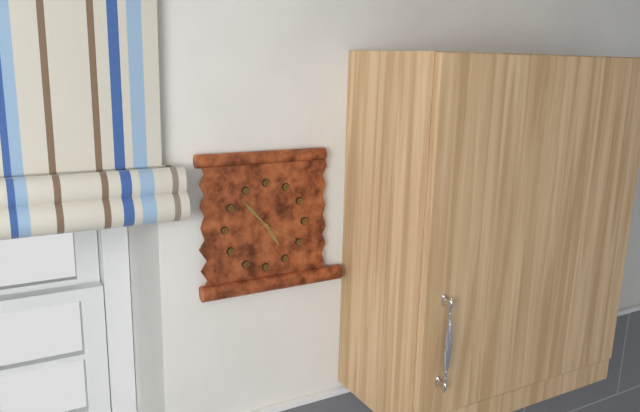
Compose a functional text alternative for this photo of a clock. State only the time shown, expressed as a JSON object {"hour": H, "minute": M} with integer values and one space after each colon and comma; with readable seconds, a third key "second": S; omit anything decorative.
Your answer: {"hour": 4, "minute": 53}
